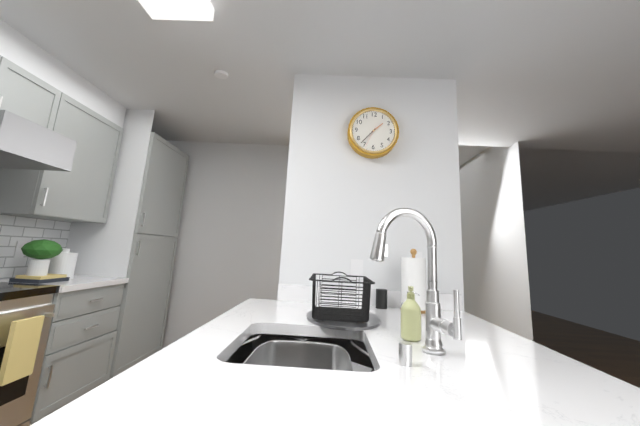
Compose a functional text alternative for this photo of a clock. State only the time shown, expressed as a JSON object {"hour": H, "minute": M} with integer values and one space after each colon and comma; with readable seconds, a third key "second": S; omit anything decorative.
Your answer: {"hour": 1, "minute": 37}
